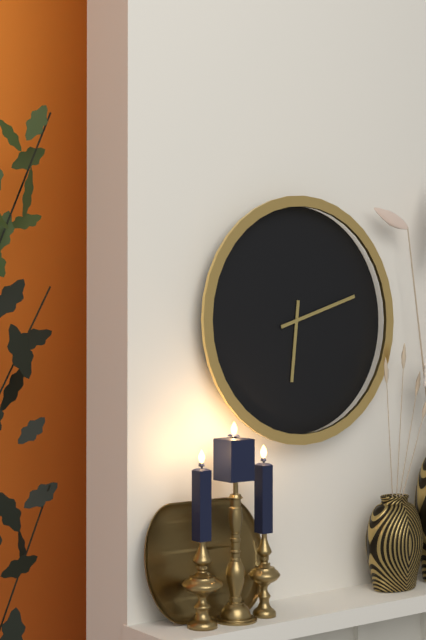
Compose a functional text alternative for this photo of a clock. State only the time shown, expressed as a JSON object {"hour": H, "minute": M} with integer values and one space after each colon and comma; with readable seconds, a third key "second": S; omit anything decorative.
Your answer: {"hour": 6, "minute": 12}
